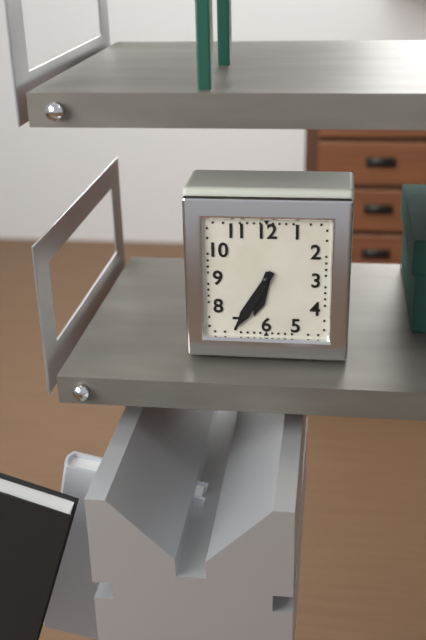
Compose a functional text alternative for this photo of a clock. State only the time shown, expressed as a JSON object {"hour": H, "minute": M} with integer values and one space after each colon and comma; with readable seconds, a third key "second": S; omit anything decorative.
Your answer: {"hour": 6, "minute": 35}
